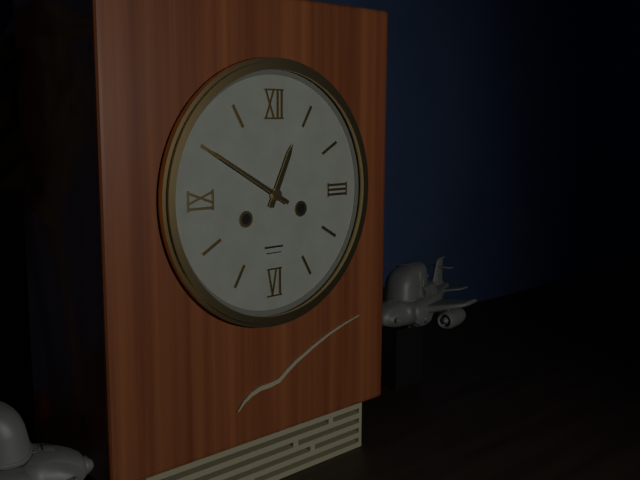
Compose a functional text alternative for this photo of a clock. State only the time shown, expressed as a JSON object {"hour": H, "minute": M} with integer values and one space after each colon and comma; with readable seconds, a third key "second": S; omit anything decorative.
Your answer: {"hour": 12, "minute": 50}
